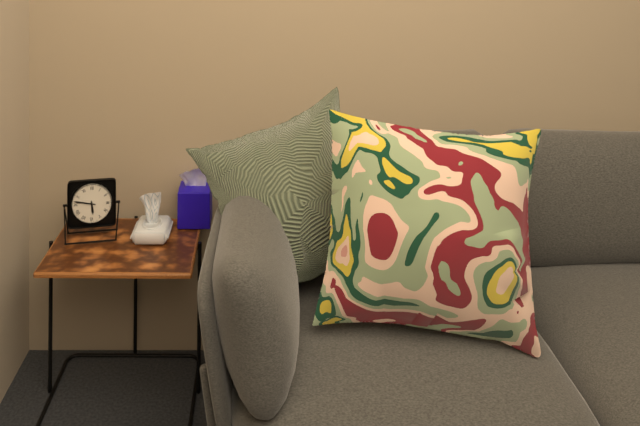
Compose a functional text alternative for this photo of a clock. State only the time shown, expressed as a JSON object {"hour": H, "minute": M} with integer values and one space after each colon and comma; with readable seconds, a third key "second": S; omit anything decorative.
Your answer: {"hour": 5, "minute": 47}
